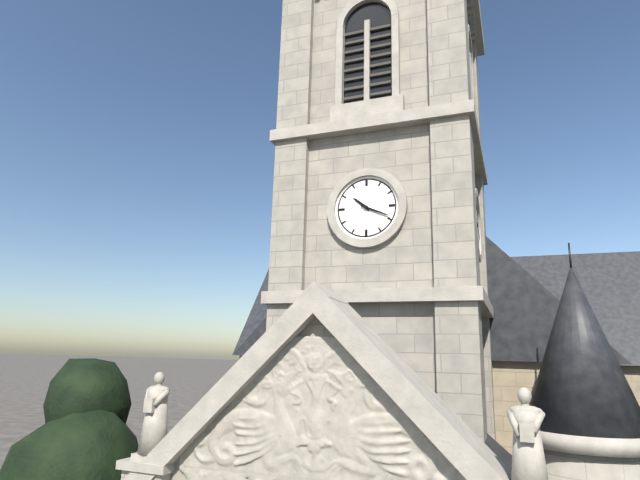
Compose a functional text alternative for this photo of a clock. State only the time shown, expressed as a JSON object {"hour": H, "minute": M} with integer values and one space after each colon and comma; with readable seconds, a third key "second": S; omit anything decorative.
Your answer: {"hour": 10, "minute": 19}
